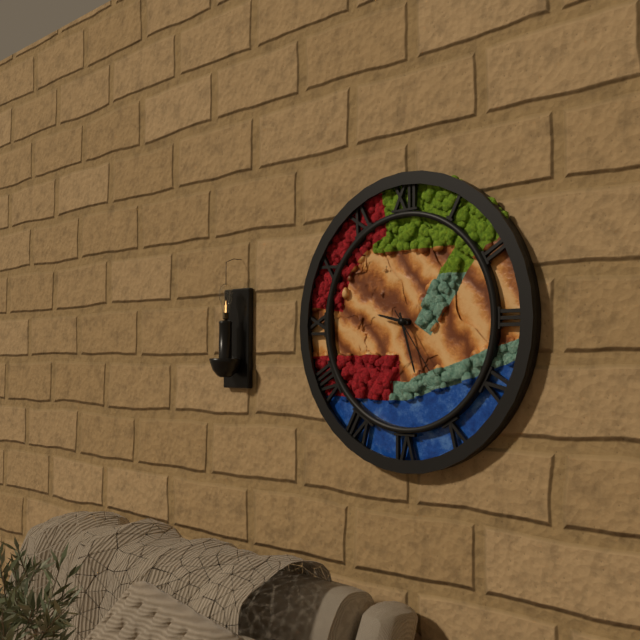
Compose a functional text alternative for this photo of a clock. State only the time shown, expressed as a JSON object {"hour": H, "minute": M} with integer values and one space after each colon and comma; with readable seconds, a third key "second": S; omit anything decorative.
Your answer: {"hour": 9, "minute": 27, "second": 24}
